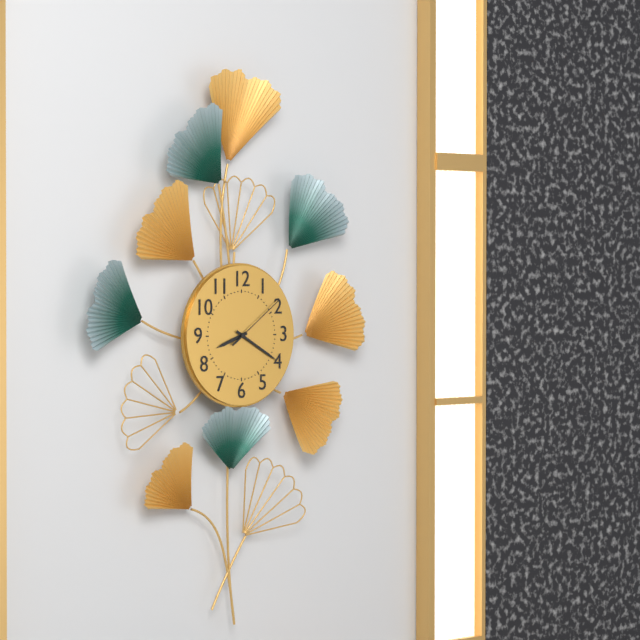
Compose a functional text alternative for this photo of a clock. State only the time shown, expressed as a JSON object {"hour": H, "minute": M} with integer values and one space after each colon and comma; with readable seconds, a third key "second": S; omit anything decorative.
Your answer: {"hour": 8, "minute": 20, "second": 9}
